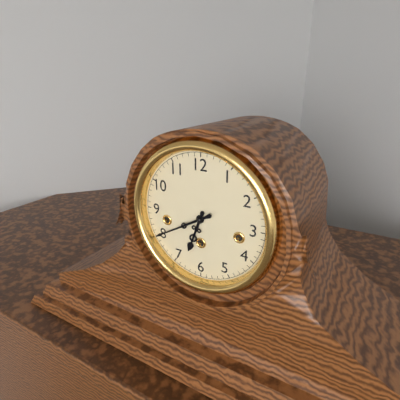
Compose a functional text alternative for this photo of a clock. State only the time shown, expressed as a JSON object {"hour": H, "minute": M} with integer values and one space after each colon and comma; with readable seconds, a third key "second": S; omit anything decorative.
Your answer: {"hour": 6, "minute": 40}
